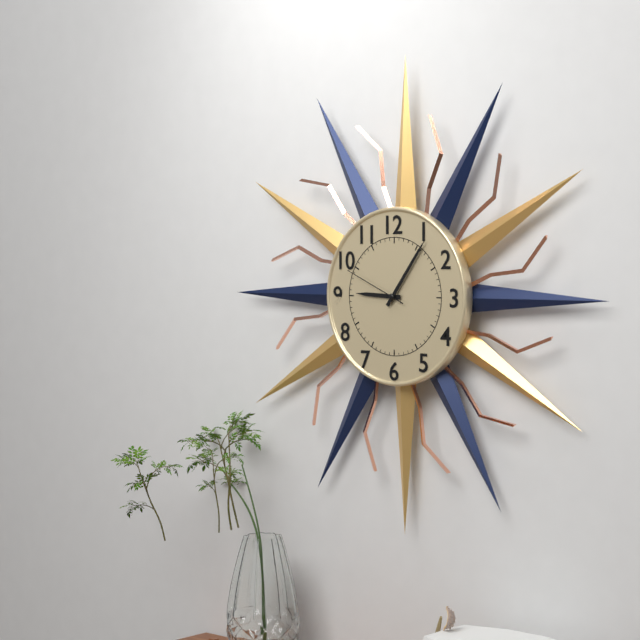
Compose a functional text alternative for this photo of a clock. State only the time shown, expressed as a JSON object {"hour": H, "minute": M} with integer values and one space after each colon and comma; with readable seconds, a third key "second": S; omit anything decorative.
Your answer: {"hour": 9, "minute": 6, "second": 49}
